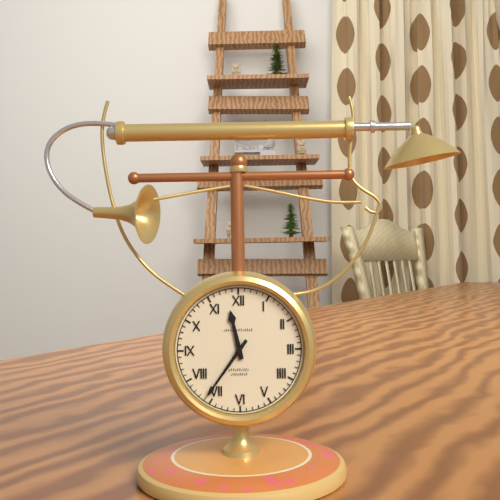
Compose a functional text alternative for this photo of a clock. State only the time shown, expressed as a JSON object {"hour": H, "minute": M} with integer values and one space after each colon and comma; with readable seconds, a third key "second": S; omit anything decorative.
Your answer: {"hour": 11, "minute": 36}
